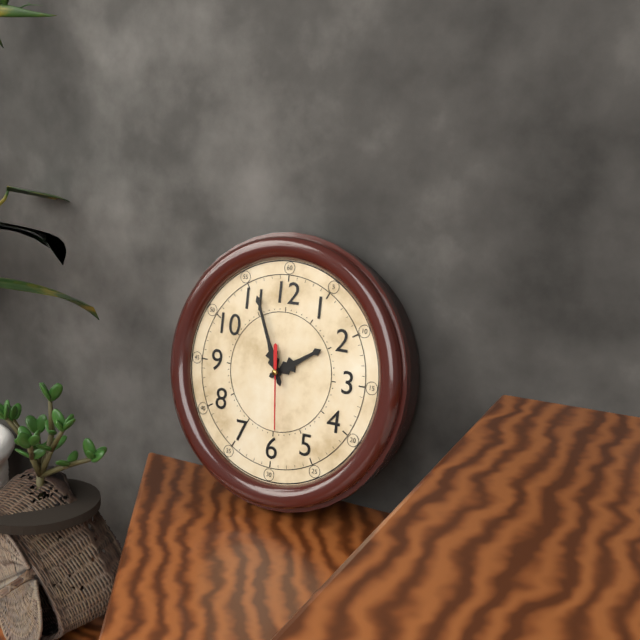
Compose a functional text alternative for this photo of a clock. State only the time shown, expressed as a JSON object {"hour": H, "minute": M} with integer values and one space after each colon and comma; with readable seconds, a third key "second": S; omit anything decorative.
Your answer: {"hour": 1, "minute": 56, "second": 29}
